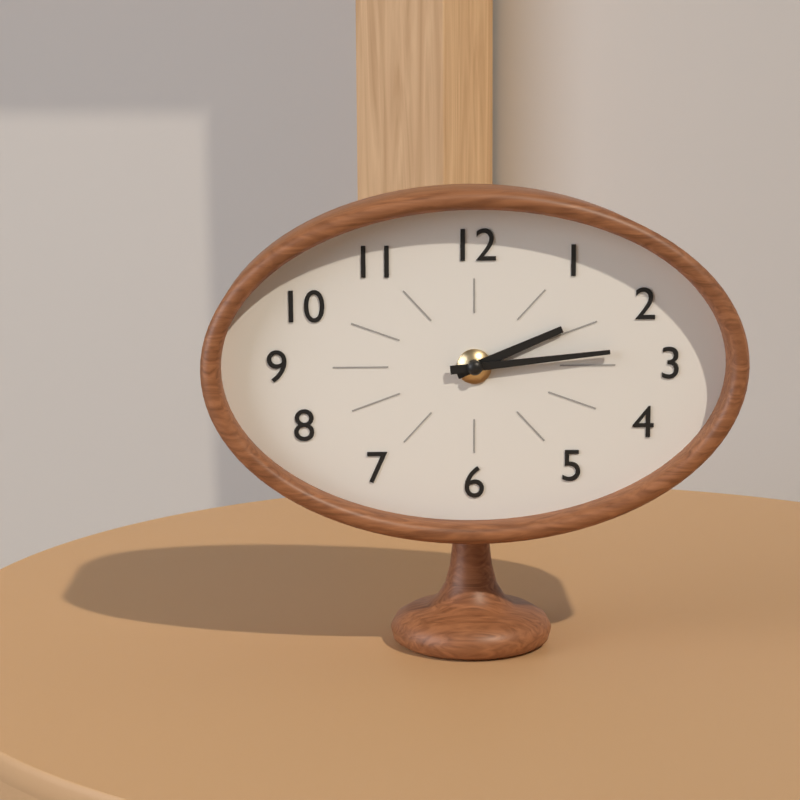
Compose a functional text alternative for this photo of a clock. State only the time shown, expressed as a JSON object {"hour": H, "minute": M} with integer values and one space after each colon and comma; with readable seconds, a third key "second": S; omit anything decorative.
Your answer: {"hour": 2, "minute": 14}
